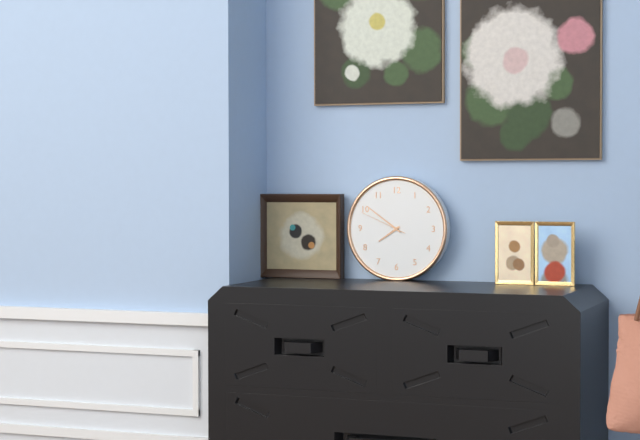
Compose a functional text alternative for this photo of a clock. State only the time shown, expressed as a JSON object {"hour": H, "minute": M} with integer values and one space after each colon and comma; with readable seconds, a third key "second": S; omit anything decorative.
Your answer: {"hour": 7, "minute": 51}
